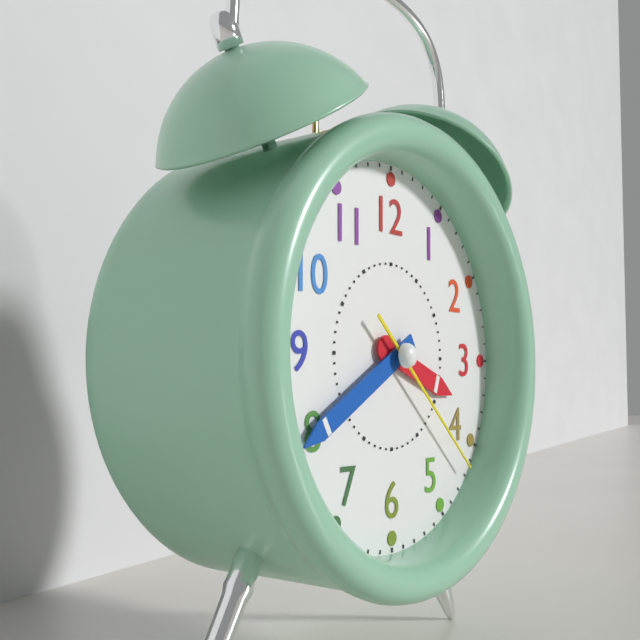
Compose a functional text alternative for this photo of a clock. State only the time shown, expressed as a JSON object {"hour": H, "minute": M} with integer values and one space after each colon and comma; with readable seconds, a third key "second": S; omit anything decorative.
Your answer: {"hour": 3, "minute": 40, "second": 22}
